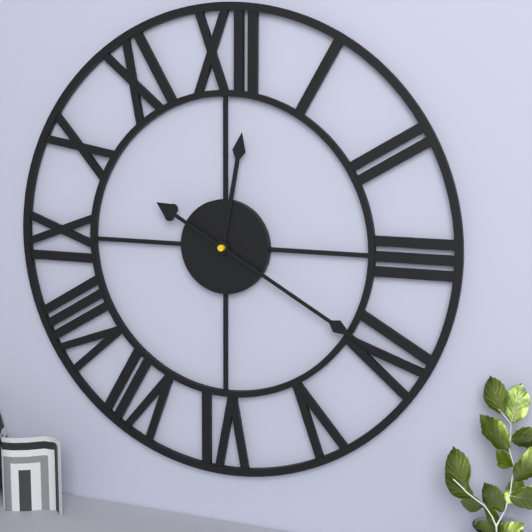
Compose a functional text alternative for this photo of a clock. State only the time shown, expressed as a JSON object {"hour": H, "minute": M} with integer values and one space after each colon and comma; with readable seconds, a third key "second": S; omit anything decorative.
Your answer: {"hour": 12, "minute": 20}
